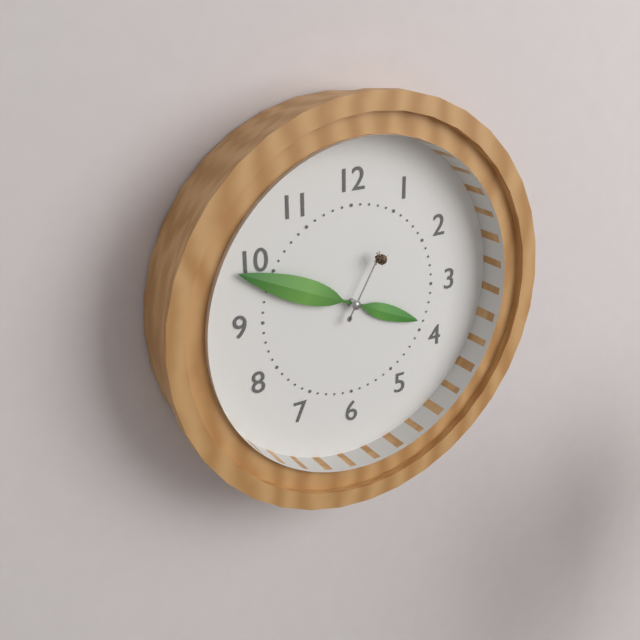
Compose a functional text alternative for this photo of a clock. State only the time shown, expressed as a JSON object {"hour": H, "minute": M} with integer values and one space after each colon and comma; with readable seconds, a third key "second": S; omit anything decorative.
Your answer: {"hour": 3, "minute": 49, "second": 5}
